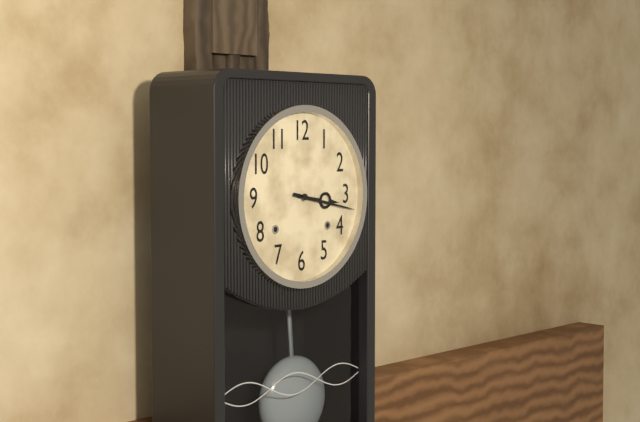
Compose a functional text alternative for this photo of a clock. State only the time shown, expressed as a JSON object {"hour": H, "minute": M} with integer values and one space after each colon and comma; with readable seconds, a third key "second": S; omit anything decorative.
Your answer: {"hour": 3, "minute": 17}
